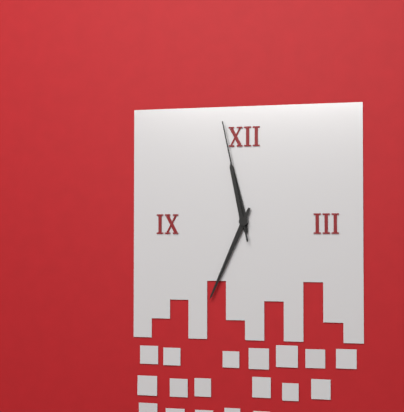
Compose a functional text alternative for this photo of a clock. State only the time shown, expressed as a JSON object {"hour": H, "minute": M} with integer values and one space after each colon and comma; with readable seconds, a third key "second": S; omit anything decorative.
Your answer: {"hour": 11, "minute": 34, "second": 58}
